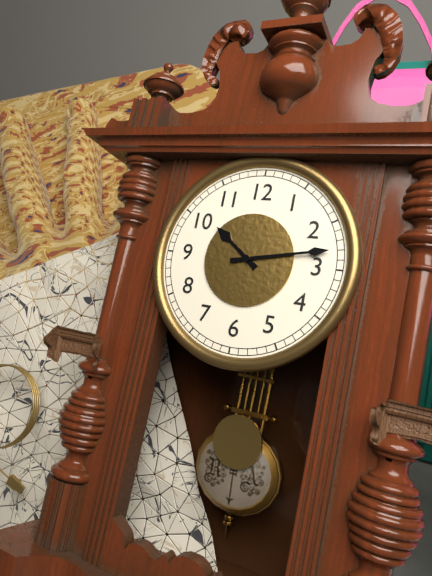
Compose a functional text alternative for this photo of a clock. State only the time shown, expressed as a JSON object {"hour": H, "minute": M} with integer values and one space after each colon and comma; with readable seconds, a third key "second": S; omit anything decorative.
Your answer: {"hour": 10, "minute": 13}
